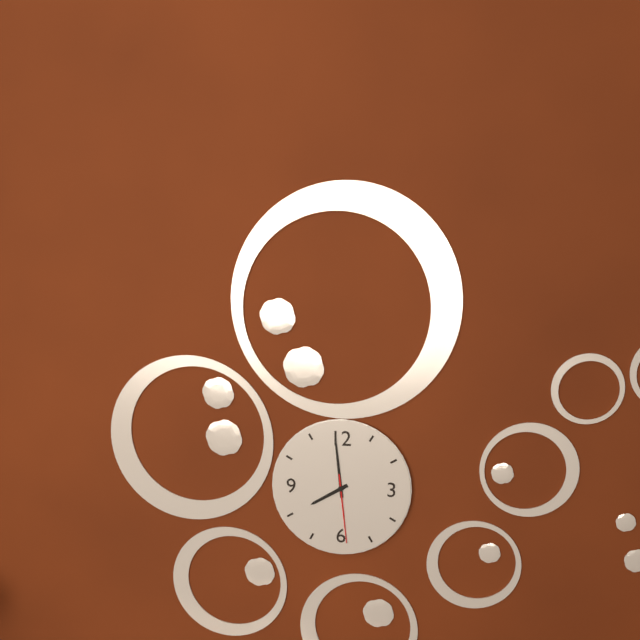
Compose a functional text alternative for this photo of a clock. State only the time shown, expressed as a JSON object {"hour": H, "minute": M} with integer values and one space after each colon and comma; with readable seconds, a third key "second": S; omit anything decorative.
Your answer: {"hour": 7, "minute": 59, "second": 29}
